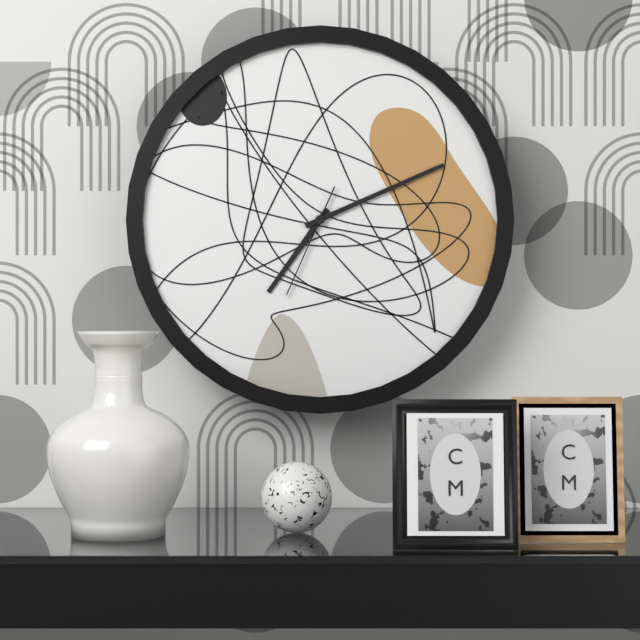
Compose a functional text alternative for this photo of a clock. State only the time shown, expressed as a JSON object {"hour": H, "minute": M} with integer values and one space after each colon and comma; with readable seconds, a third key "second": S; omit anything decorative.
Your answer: {"hour": 7, "minute": 11, "second": 34}
